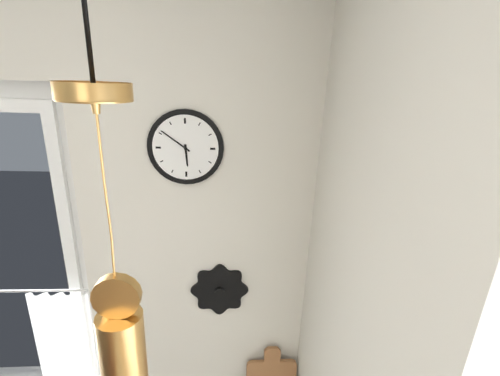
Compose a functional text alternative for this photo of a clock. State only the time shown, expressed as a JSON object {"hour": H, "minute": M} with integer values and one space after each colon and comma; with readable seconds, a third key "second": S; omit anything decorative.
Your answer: {"hour": 5, "minute": 51}
